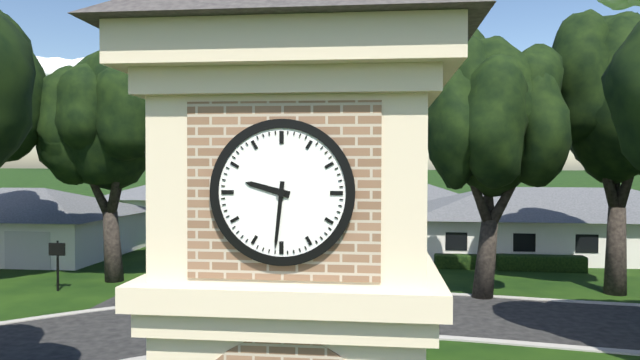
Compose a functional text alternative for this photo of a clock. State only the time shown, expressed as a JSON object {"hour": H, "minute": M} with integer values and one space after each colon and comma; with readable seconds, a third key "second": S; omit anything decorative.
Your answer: {"hour": 9, "minute": 31}
